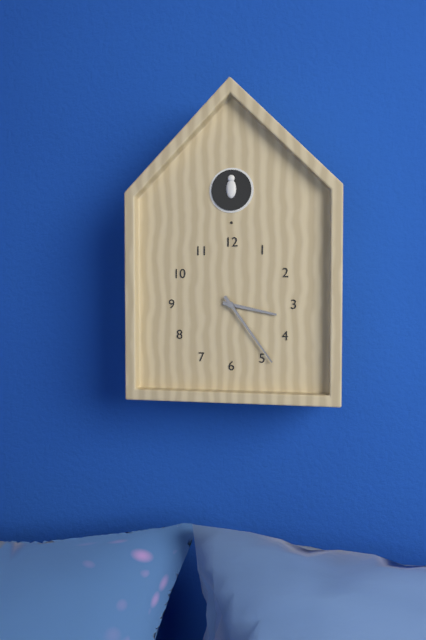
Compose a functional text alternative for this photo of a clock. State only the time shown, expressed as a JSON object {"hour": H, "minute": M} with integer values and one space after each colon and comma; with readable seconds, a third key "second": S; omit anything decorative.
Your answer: {"hour": 3, "minute": 24}
